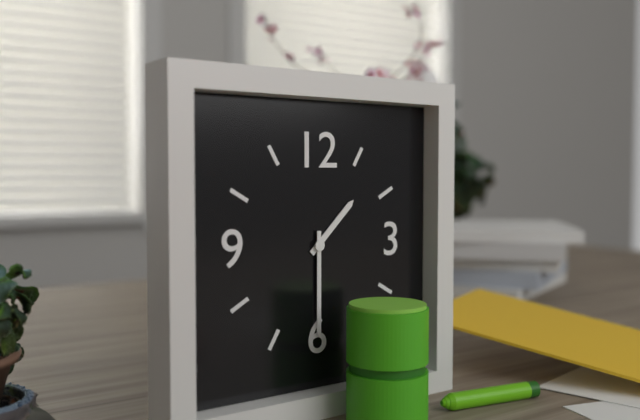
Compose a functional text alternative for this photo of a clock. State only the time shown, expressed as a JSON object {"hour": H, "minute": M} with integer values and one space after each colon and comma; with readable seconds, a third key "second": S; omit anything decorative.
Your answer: {"hour": 1, "minute": 30}
